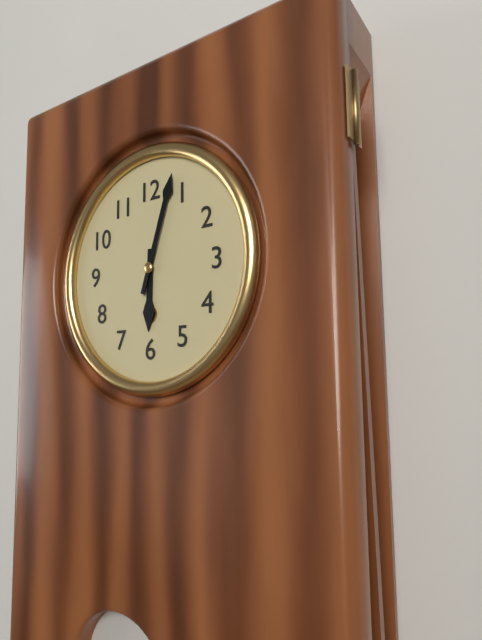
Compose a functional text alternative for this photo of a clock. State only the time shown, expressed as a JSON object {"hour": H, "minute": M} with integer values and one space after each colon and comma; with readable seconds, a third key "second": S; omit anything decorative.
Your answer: {"hour": 6, "minute": 3}
